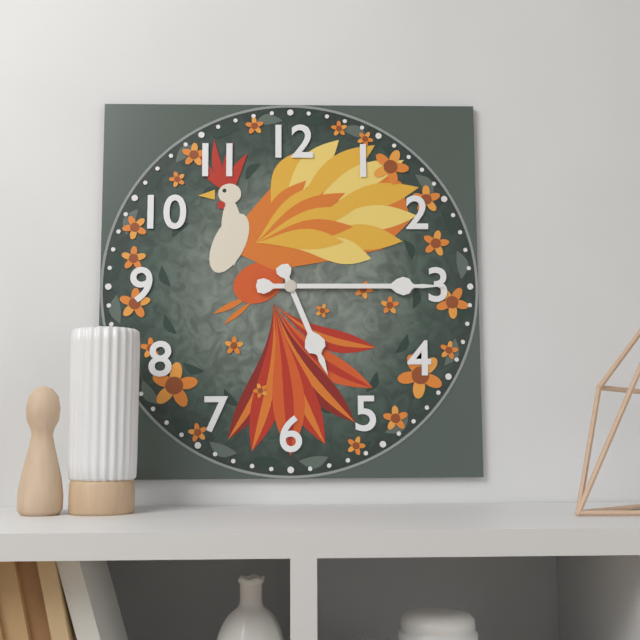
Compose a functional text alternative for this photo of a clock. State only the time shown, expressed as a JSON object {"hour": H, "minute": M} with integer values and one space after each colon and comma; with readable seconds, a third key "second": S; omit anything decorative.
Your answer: {"hour": 5, "minute": 15}
